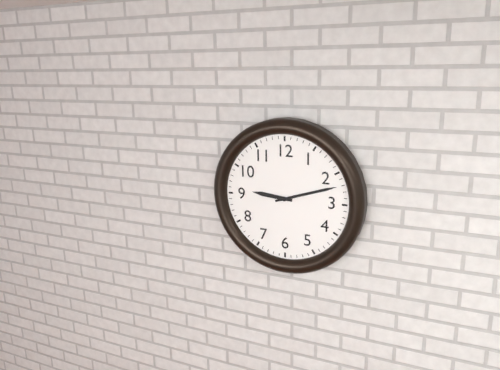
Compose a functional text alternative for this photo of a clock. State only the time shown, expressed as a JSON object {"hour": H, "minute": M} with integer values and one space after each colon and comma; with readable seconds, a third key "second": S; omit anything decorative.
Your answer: {"hour": 9, "minute": 12}
